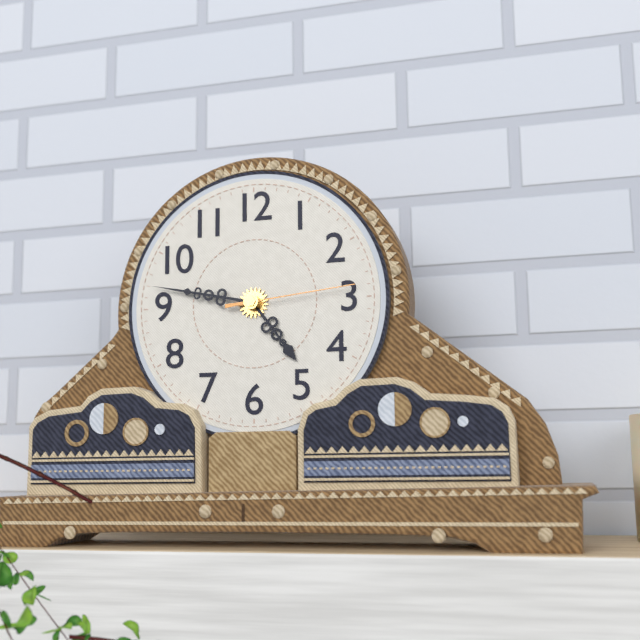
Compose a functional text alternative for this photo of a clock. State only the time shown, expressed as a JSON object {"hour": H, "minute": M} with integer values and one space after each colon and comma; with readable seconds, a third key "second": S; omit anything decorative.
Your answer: {"hour": 4, "minute": 47, "second": 14}
